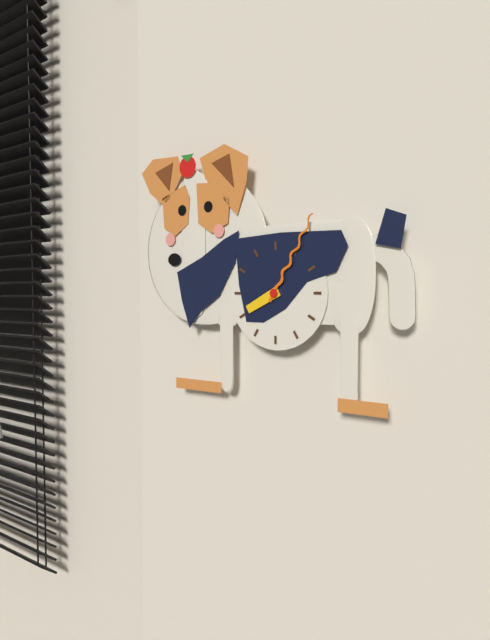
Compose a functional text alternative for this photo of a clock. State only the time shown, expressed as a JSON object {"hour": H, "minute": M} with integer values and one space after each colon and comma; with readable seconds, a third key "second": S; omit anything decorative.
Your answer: {"hour": 8, "minute": 5}
